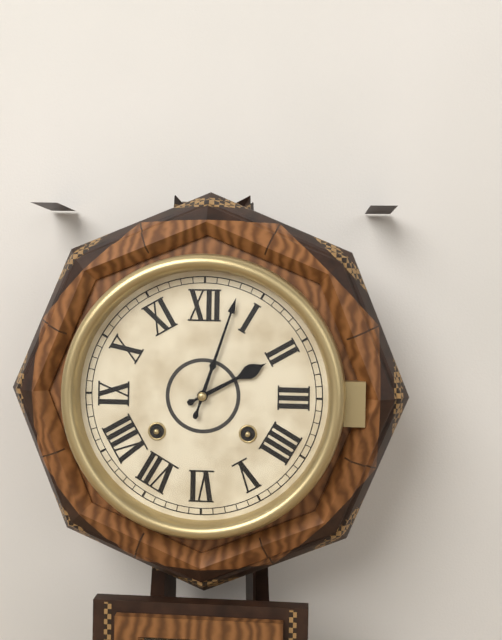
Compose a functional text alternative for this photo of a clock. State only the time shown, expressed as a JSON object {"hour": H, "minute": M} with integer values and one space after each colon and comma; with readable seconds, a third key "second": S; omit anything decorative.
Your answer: {"hour": 2, "minute": 3}
